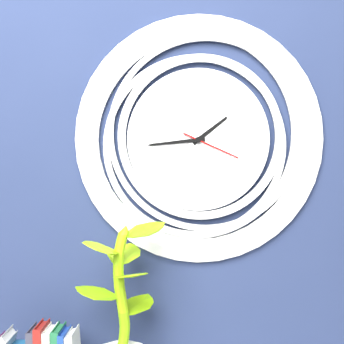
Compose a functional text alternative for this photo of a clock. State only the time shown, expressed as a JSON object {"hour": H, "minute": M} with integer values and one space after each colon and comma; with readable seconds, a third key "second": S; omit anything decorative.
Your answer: {"hour": 1, "minute": 44, "second": 19}
